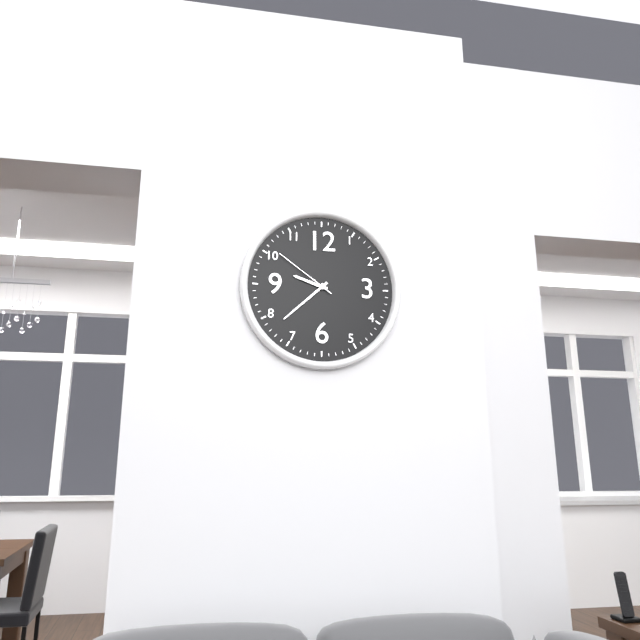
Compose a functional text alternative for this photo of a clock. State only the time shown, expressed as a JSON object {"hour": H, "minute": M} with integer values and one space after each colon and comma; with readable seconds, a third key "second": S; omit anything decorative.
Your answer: {"hour": 9, "minute": 38, "second": 51}
